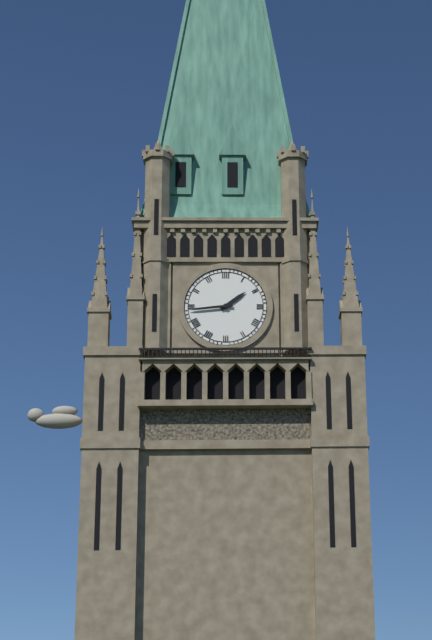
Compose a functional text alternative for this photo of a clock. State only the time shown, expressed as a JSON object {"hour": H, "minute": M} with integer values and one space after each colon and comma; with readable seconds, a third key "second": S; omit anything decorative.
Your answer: {"hour": 1, "minute": 44}
